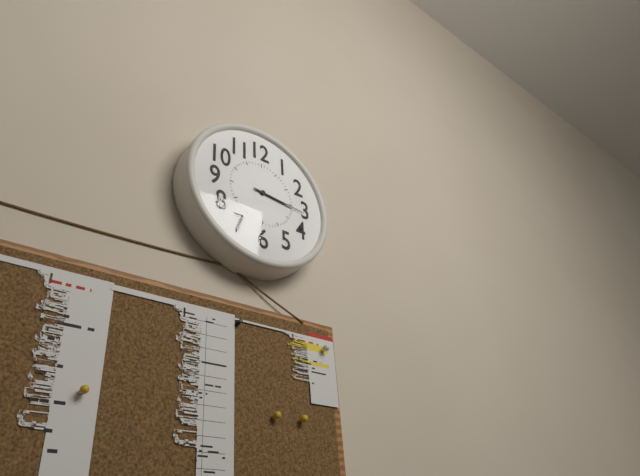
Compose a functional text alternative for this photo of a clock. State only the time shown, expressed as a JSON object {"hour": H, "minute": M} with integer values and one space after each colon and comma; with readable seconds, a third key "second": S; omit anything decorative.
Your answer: {"hour": 3, "minute": 16}
